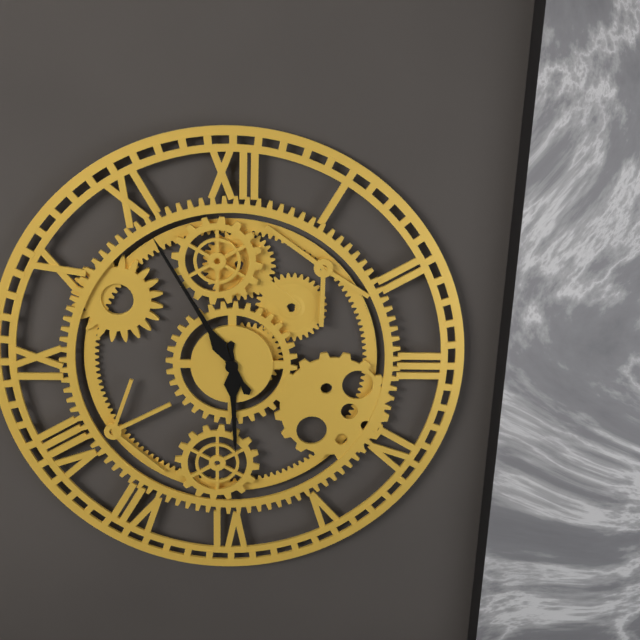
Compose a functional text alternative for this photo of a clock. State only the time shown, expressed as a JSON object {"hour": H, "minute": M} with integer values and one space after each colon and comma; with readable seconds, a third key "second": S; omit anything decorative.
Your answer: {"hour": 5, "minute": 55}
